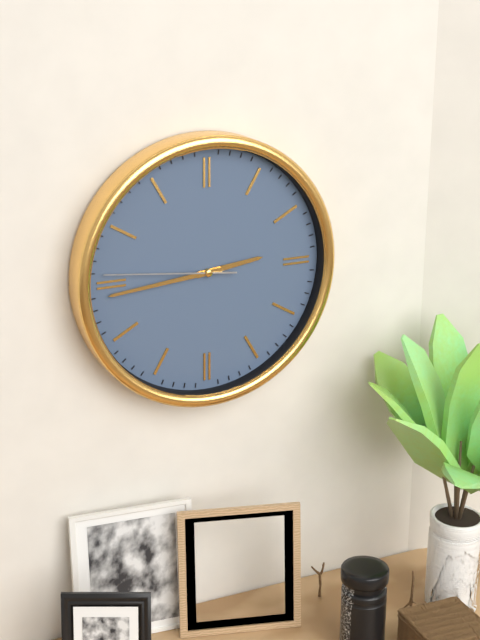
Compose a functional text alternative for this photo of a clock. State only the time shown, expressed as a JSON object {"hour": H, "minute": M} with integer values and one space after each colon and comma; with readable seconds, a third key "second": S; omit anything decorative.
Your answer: {"hour": 2, "minute": 44, "second": 46}
